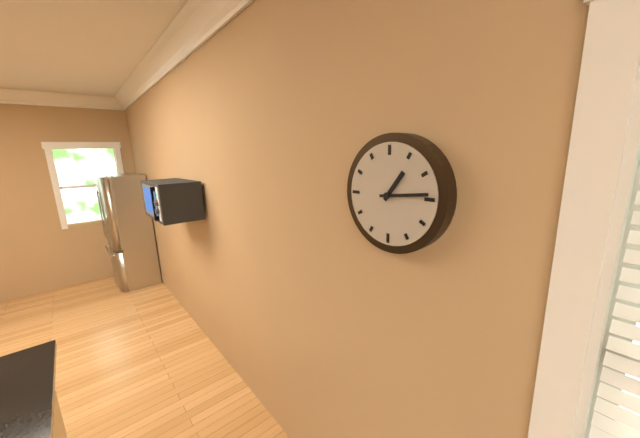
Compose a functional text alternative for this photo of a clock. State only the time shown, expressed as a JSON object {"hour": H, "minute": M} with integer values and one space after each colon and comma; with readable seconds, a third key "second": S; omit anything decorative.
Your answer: {"hour": 1, "minute": 14}
